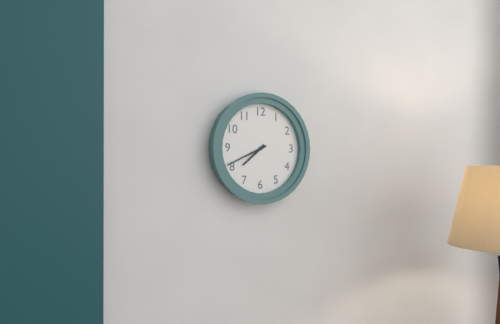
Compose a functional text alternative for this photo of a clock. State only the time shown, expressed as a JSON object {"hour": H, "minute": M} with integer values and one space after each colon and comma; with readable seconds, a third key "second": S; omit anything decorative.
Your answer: {"hour": 7, "minute": 41}
